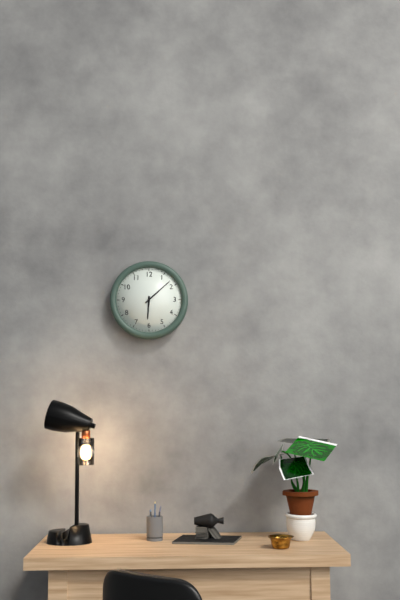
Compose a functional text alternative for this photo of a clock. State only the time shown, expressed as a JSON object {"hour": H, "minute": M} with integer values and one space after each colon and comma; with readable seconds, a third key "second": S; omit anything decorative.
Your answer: {"hour": 6, "minute": 8}
